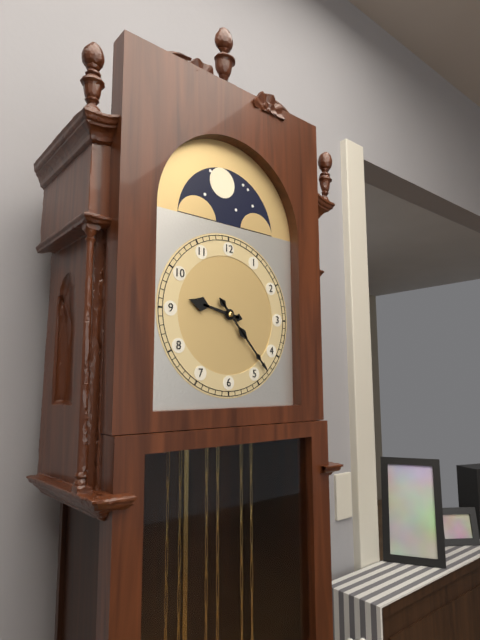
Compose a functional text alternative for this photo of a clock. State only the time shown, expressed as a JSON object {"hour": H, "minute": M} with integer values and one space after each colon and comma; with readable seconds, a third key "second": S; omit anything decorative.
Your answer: {"hour": 9, "minute": 23}
